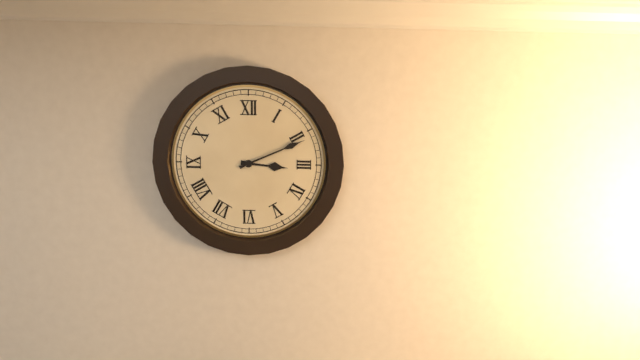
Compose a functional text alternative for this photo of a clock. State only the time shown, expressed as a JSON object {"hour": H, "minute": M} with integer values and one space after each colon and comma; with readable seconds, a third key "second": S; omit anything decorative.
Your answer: {"hour": 3, "minute": 11}
